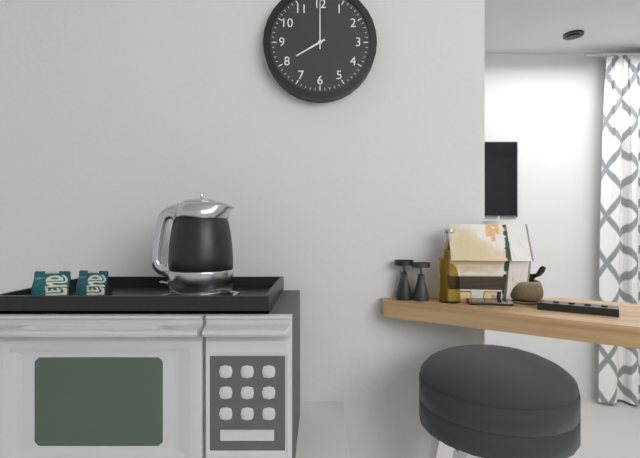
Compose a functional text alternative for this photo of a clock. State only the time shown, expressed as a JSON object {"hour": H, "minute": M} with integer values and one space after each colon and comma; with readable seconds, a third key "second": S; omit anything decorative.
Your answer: {"hour": 8, "minute": 0}
